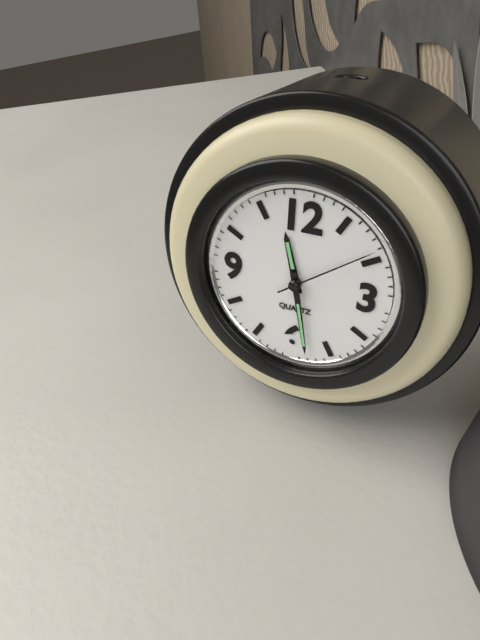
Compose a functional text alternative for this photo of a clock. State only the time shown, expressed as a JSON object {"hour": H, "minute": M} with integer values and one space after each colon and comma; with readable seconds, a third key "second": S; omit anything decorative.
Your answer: {"hour": 11, "minute": 28, "second": 9}
